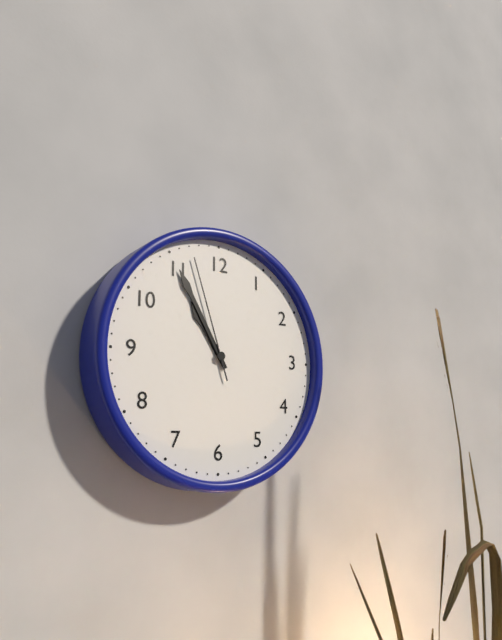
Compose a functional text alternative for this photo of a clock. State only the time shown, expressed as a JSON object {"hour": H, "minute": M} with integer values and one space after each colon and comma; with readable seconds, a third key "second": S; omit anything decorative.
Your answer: {"hour": 10, "minute": 55, "second": 57}
